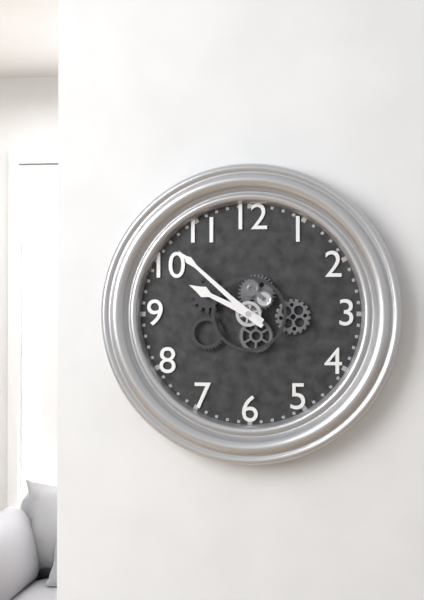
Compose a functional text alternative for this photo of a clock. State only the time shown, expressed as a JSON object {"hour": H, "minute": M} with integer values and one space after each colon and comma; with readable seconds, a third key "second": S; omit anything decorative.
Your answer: {"hour": 9, "minute": 52}
